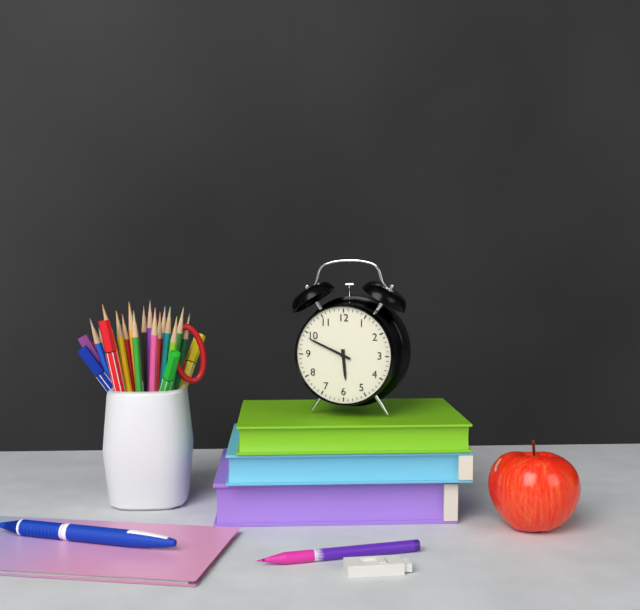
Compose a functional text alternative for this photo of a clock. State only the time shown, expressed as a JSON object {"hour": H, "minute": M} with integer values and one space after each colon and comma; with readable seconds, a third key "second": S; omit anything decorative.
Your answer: {"hour": 5, "minute": 49}
